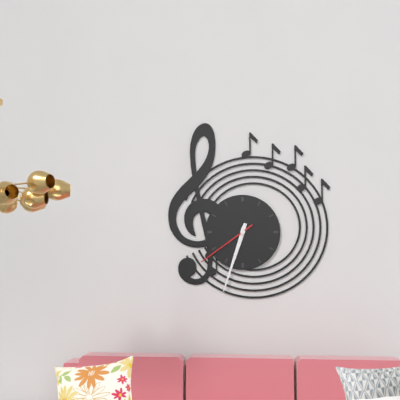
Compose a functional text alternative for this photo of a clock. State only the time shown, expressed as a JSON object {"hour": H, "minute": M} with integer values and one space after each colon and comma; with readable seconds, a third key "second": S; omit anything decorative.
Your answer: {"hour": 6, "minute": 33, "second": 39}
